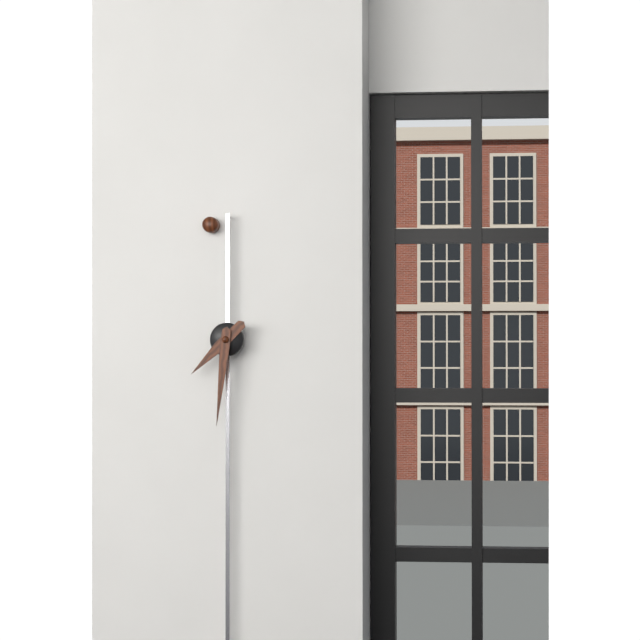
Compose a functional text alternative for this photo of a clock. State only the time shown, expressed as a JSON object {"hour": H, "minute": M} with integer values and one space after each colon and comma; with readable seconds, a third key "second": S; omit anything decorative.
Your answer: {"hour": 7, "minute": 31}
